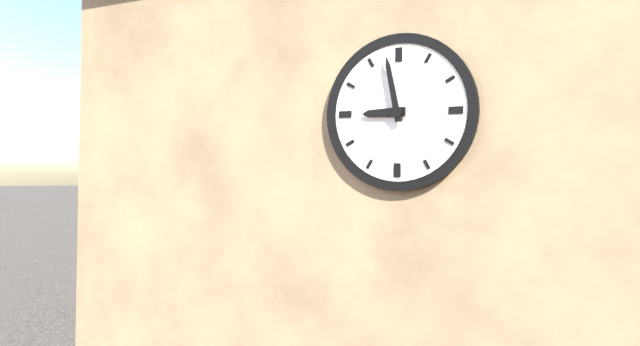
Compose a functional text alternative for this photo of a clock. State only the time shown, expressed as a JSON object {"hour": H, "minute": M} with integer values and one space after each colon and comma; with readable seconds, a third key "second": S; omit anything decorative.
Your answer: {"hour": 8, "minute": 58}
